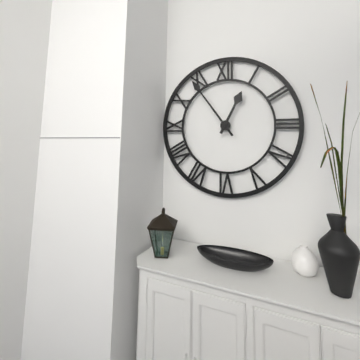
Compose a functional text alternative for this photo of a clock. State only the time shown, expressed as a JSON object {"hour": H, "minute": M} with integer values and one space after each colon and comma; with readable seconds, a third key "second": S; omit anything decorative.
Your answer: {"hour": 12, "minute": 54}
